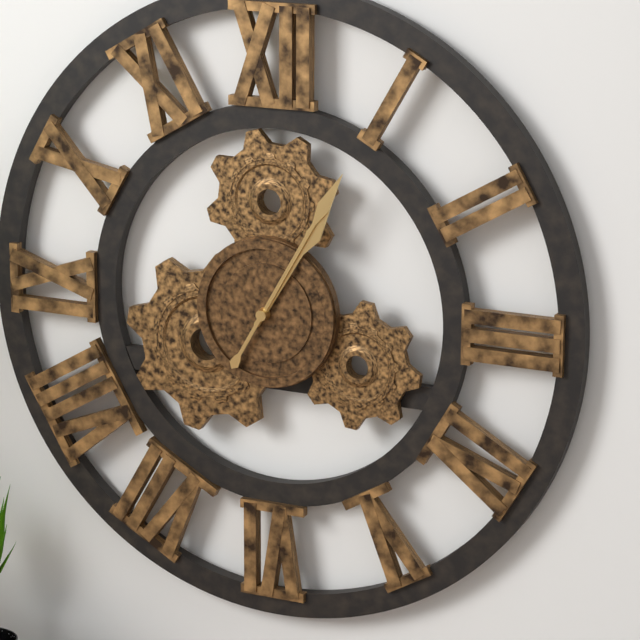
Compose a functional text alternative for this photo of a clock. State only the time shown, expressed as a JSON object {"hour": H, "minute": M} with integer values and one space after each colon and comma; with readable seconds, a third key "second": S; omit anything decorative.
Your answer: {"hour": 1, "minute": 5}
